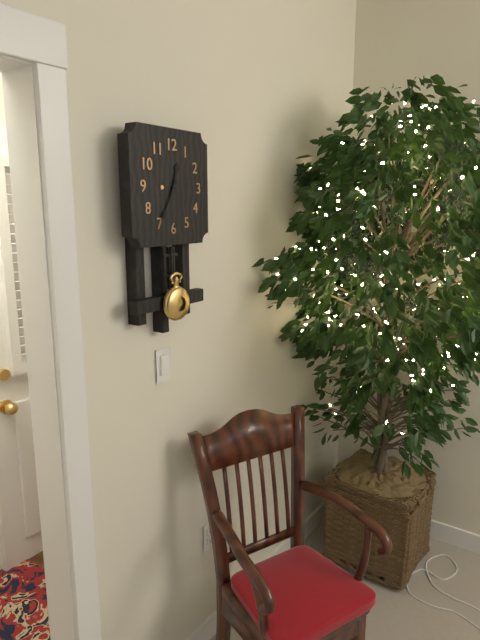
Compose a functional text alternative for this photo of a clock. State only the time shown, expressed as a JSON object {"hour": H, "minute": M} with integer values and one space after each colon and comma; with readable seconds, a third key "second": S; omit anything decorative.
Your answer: {"hour": 12, "minute": 35}
